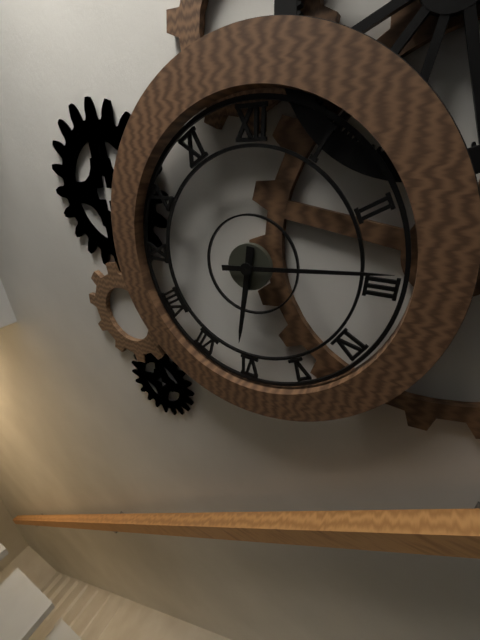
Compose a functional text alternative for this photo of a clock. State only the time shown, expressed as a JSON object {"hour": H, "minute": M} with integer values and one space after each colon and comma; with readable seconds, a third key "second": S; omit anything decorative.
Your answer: {"hour": 6, "minute": 14}
